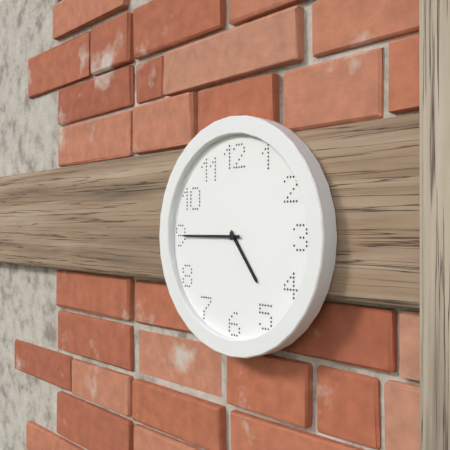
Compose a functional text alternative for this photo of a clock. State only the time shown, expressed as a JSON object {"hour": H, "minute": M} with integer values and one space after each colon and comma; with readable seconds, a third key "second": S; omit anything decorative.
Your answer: {"hour": 4, "minute": 45}
